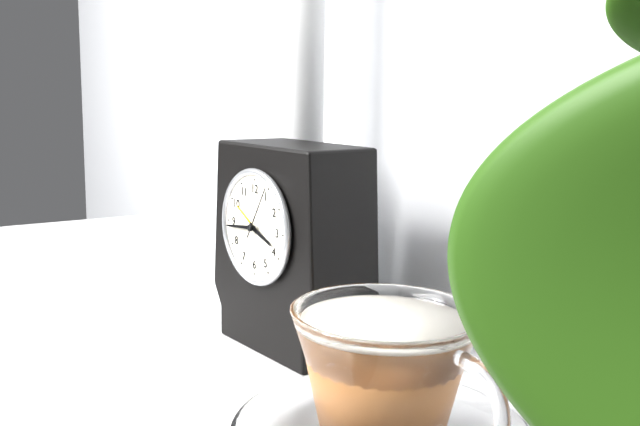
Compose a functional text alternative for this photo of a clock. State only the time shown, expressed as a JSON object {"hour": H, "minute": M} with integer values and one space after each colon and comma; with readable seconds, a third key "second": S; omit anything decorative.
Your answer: {"hour": 3, "minute": 44, "second": 5}
